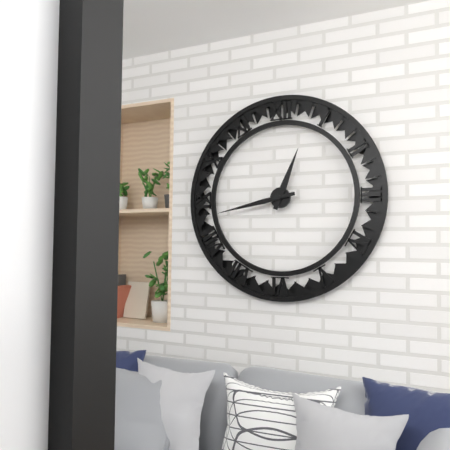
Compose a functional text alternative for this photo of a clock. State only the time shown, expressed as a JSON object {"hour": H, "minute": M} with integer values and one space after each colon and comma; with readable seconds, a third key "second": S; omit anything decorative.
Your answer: {"hour": 12, "minute": 43}
